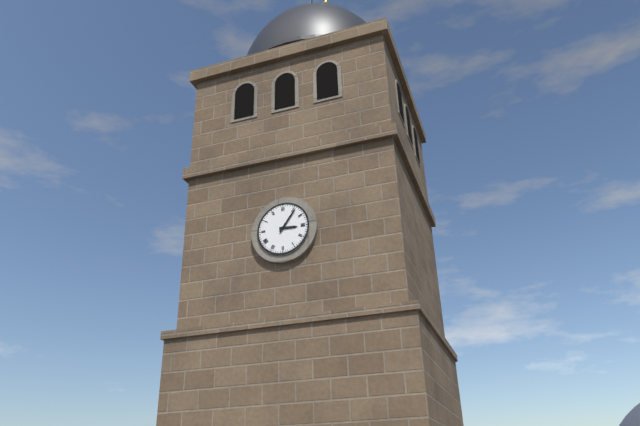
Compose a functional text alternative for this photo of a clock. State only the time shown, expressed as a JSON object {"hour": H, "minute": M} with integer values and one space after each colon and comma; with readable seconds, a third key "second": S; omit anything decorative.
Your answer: {"hour": 3, "minute": 6}
